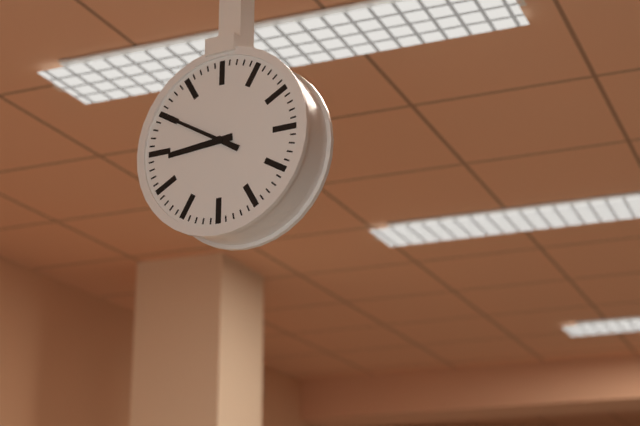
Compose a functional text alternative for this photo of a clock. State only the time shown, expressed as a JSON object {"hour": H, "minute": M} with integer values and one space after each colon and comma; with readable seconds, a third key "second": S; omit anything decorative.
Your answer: {"hour": 8, "minute": 50}
